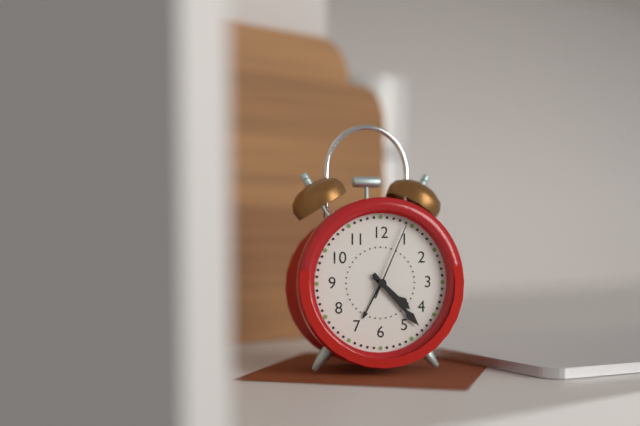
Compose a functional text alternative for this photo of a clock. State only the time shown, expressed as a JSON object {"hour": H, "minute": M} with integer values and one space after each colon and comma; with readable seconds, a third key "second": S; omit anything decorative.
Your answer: {"hour": 4, "minute": 23, "second": 4}
